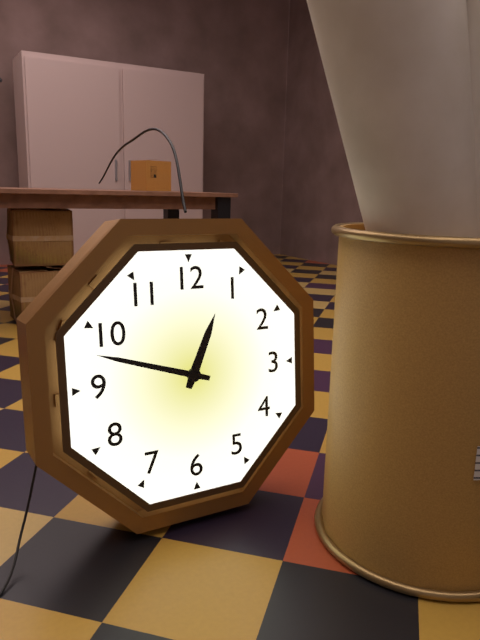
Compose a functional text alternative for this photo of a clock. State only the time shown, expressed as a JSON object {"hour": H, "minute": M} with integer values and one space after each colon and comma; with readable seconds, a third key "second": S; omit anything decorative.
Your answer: {"hour": 12, "minute": 48}
